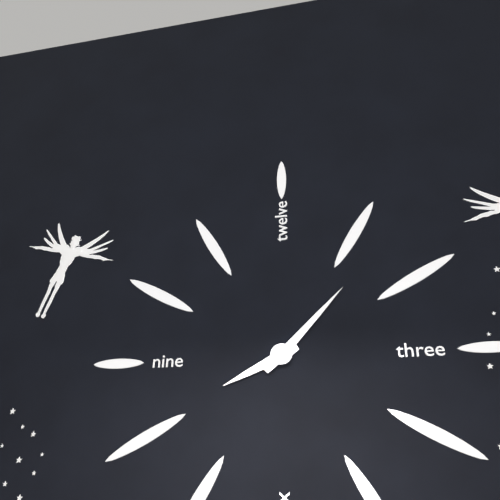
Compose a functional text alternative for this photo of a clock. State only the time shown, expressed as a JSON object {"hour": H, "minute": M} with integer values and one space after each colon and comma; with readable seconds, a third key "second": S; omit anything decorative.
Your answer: {"hour": 8, "minute": 7}
